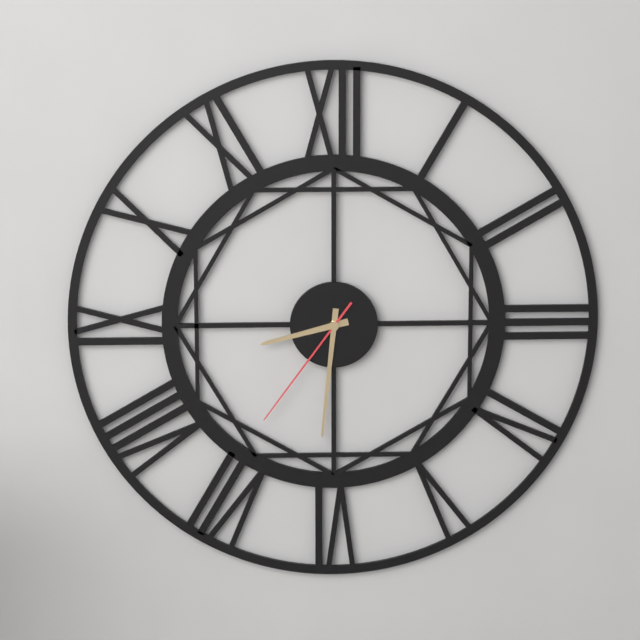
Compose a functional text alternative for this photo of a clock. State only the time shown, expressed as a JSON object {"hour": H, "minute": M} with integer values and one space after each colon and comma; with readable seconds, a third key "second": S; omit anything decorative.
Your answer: {"hour": 8, "minute": 31, "second": 36}
